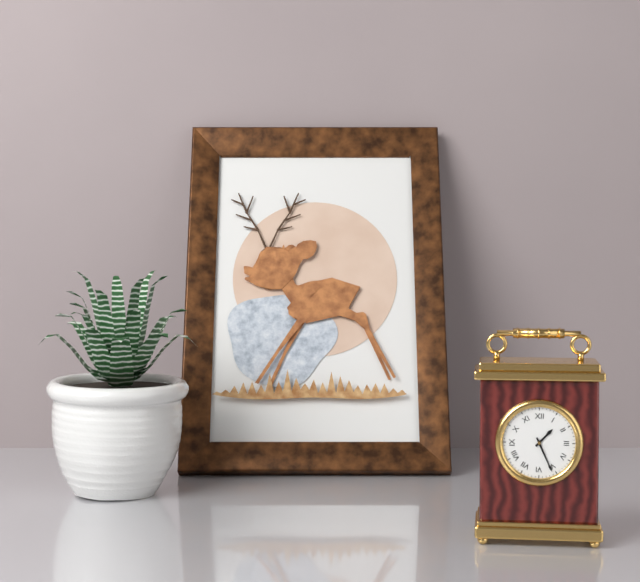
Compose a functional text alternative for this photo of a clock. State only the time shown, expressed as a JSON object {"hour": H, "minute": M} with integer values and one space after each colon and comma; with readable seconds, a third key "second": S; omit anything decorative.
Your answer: {"hour": 1, "minute": 26}
